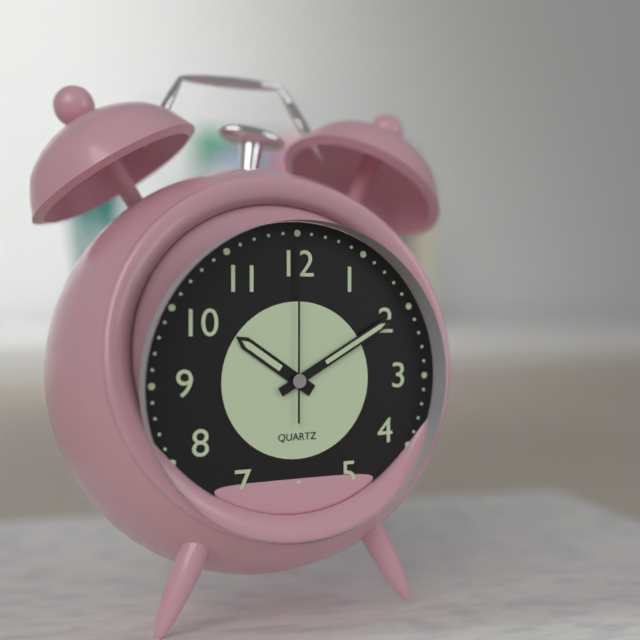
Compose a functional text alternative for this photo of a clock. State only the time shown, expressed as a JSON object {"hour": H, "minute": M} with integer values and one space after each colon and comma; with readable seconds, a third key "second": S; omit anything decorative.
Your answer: {"hour": 10, "minute": 10, "second": 0}
